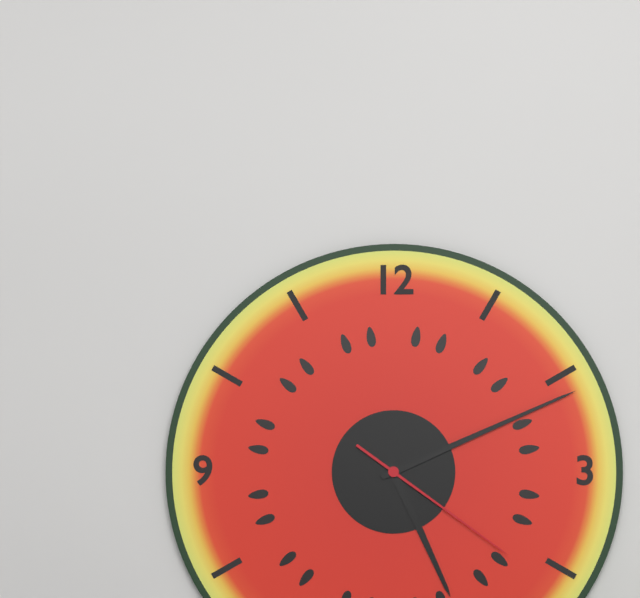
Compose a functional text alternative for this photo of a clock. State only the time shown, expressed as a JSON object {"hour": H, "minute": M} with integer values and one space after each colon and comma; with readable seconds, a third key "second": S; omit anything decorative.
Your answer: {"hour": 5, "minute": 11, "second": 21}
